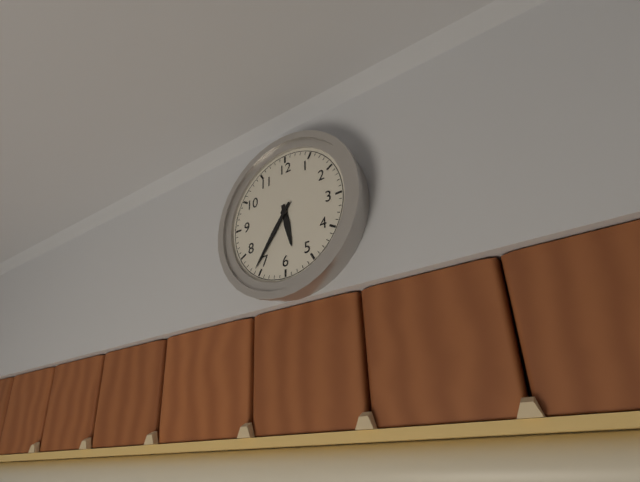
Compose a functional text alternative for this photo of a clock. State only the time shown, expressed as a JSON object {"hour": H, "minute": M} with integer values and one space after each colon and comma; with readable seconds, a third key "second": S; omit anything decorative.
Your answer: {"hour": 5, "minute": 36}
